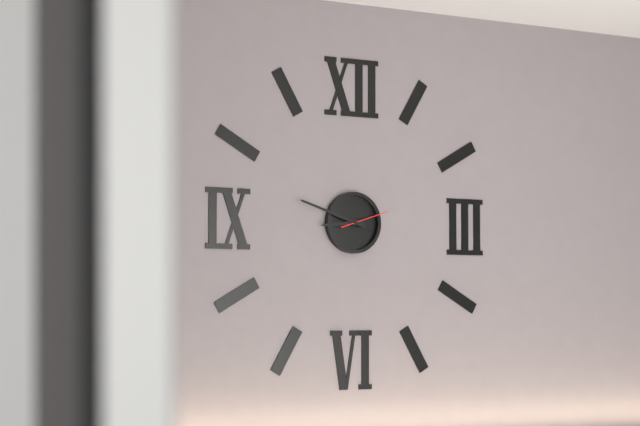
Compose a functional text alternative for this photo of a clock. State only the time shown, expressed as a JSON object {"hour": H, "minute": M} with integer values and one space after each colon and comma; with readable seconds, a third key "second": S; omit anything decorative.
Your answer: {"hour": 8, "minute": 48}
